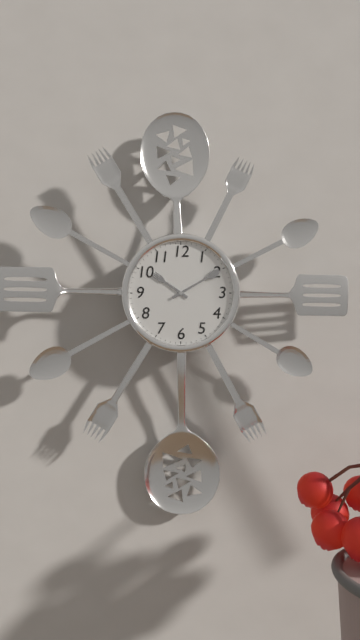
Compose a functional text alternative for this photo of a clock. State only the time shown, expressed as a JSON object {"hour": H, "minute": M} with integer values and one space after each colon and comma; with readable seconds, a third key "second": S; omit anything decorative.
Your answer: {"hour": 10, "minute": 10}
